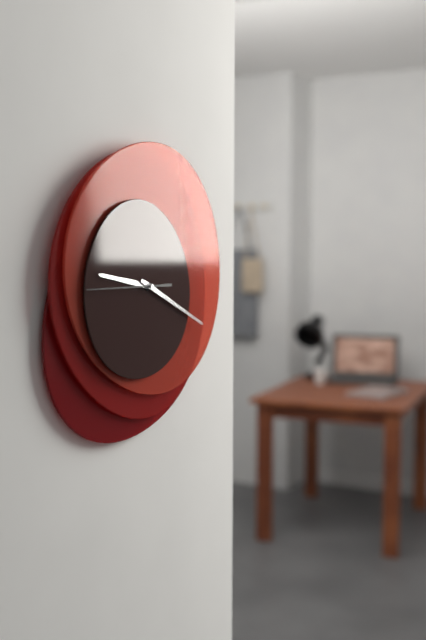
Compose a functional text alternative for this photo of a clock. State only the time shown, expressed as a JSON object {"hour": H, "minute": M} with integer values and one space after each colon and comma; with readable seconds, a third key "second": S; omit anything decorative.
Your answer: {"hour": 9, "minute": 19, "second": 45}
